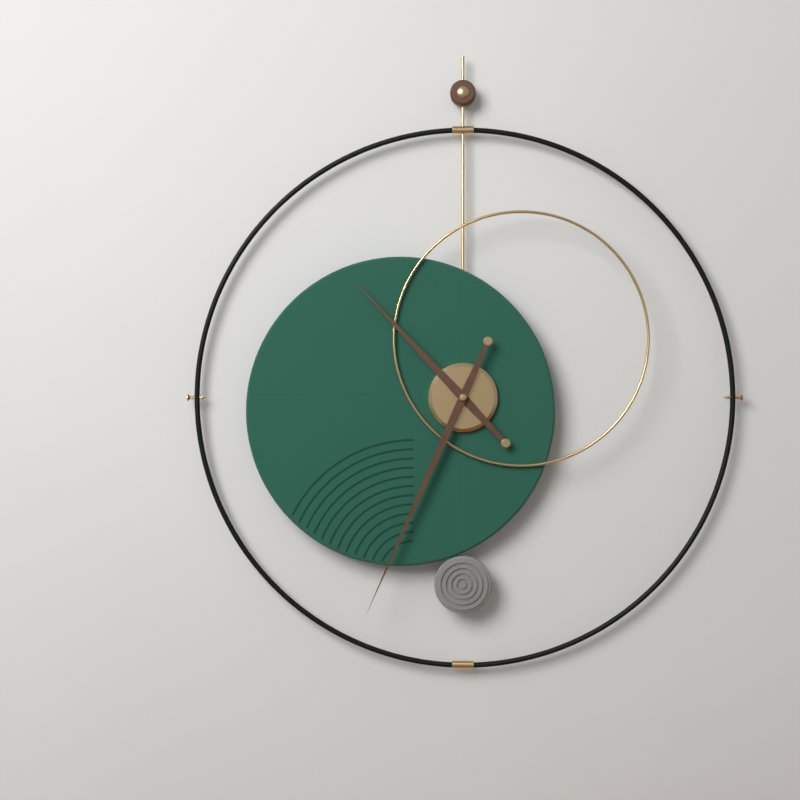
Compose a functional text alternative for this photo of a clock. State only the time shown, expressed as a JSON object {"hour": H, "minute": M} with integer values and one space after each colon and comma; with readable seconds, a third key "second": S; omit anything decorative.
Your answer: {"hour": 10, "minute": 34}
